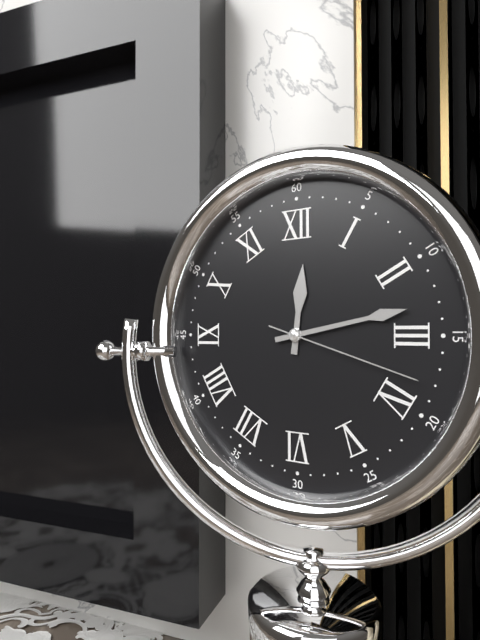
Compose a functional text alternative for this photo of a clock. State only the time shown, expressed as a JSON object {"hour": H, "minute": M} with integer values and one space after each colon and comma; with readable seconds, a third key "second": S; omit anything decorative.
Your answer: {"hour": 12, "minute": 13, "second": 18}
